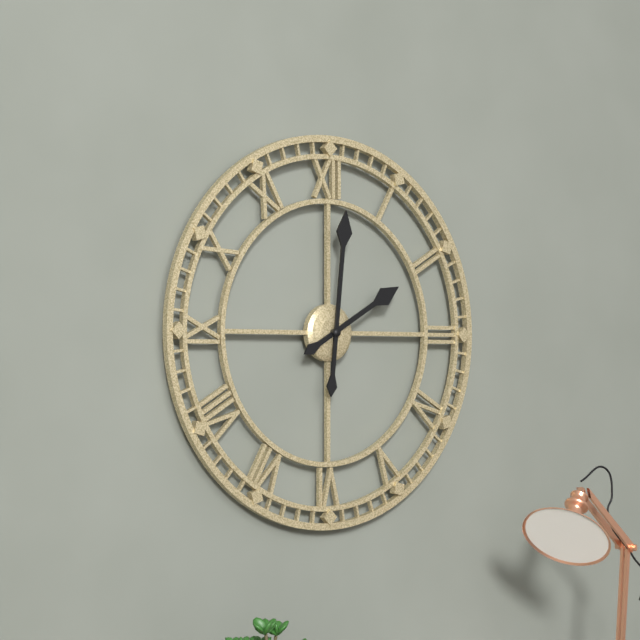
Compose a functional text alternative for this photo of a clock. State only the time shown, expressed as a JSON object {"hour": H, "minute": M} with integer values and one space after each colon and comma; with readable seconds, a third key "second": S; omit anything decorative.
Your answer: {"hour": 2, "minute": 1}
